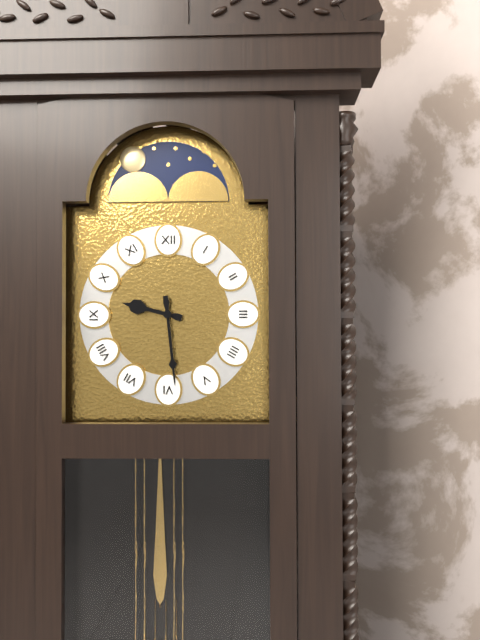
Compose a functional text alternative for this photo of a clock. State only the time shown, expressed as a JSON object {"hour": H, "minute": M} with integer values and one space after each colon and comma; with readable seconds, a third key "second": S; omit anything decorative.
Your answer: {"hour": 9, "minute": 29}
